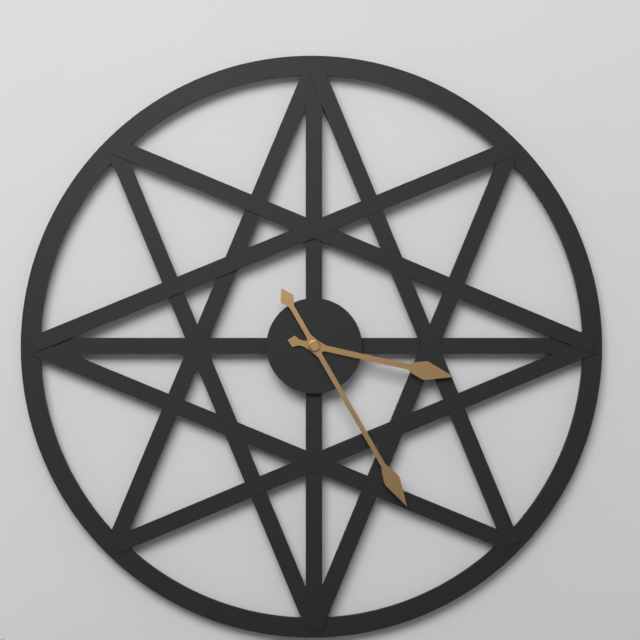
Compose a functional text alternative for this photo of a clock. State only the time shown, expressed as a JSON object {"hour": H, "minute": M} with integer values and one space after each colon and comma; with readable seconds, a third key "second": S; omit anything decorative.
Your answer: {"hour": 3, "minute": 25}
